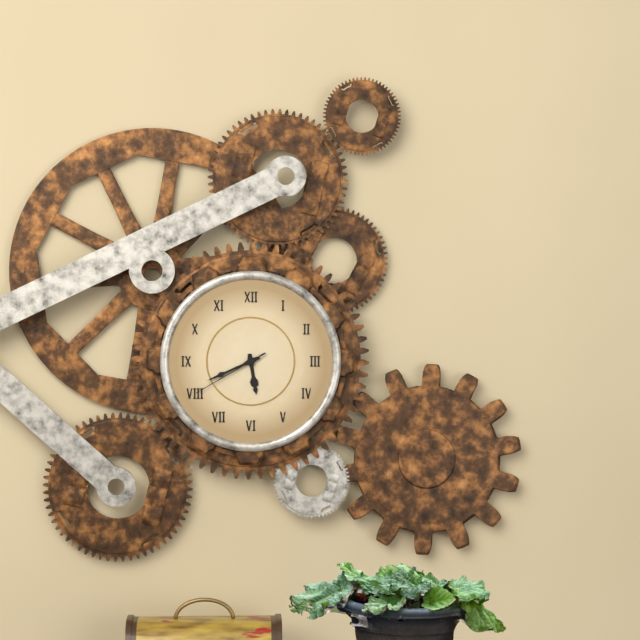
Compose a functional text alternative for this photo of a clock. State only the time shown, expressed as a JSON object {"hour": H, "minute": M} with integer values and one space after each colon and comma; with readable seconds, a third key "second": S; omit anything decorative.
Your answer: {"hour": 5, "minute": 41, "second": 40}
